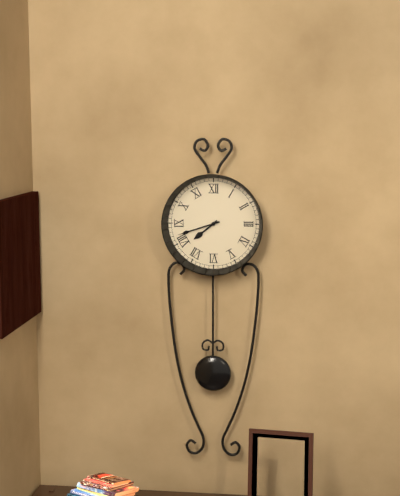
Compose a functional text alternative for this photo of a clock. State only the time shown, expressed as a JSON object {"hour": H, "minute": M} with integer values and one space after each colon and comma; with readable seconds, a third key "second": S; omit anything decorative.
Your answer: {"hour": 7, "minute": 42}
